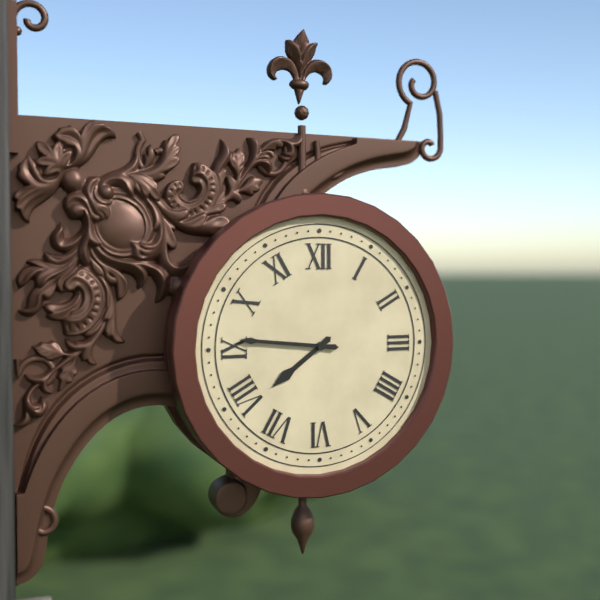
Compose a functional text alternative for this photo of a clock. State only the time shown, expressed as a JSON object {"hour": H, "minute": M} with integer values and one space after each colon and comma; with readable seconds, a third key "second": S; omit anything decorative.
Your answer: {"hour": 7, "minute": 46}
